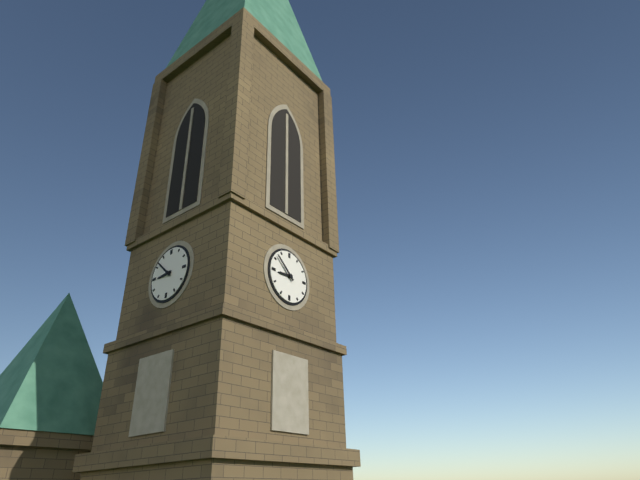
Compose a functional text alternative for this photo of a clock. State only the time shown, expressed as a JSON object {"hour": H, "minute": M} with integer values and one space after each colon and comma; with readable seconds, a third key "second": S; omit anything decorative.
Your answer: {"hour": 8, "minute": 52}
